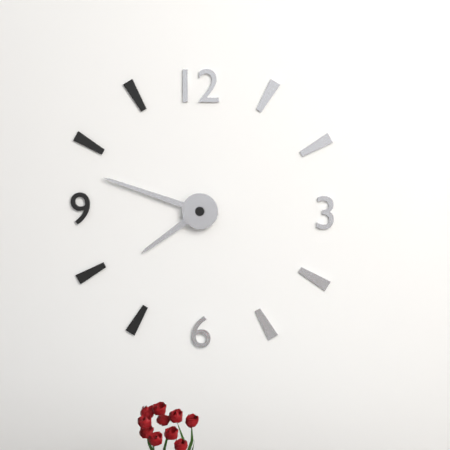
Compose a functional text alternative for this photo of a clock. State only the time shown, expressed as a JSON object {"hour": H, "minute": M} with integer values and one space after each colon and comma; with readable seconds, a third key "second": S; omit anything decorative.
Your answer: {"hour": 7, "minute": 48}
